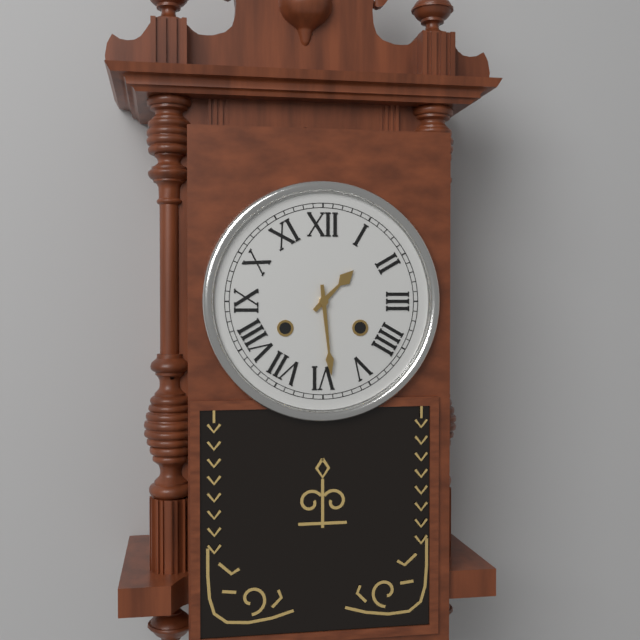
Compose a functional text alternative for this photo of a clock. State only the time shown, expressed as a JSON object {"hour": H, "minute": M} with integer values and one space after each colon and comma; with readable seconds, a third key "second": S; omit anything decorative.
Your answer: {"hour": 1, "minute": 29}
